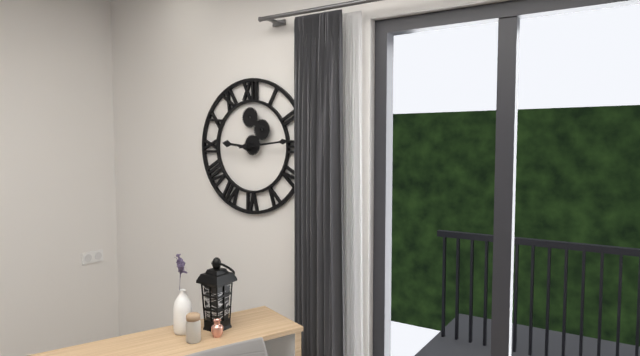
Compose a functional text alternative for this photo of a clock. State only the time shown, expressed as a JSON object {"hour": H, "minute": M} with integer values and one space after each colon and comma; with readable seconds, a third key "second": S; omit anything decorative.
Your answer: {"hour": 9, "minute": 14}
